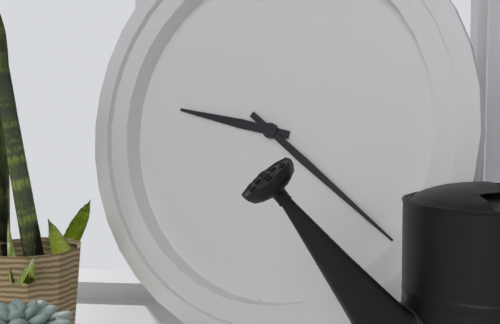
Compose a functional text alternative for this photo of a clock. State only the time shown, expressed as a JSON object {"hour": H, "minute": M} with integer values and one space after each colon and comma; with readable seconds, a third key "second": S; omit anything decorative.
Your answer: {"hour": 9, "minute": 21}
